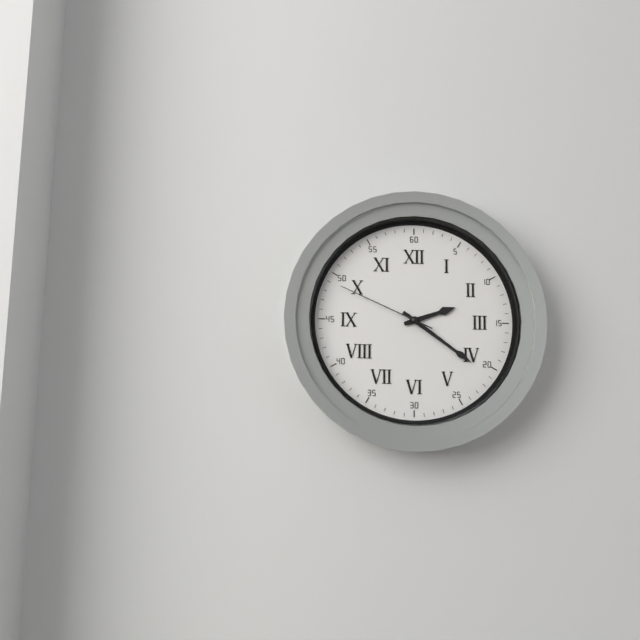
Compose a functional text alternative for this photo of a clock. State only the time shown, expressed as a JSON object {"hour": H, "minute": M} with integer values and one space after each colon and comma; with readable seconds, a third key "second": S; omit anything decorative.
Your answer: {"hour": 2, "minute": 21, "second": 49}
